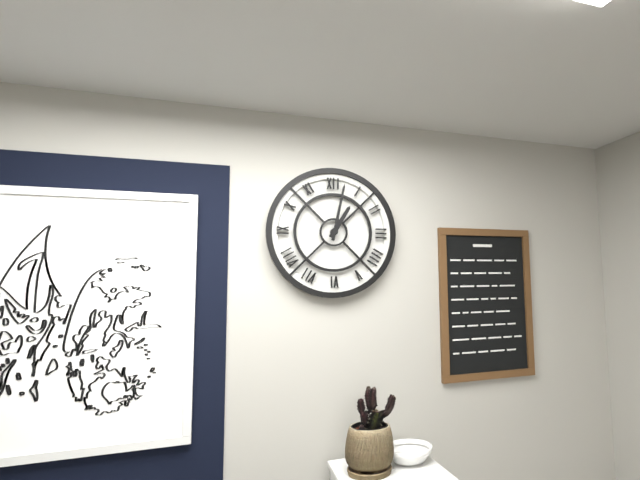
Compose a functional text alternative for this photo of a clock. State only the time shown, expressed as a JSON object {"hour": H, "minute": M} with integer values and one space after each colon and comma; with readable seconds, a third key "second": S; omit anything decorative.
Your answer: {"hour": 1, "minute": 2}
